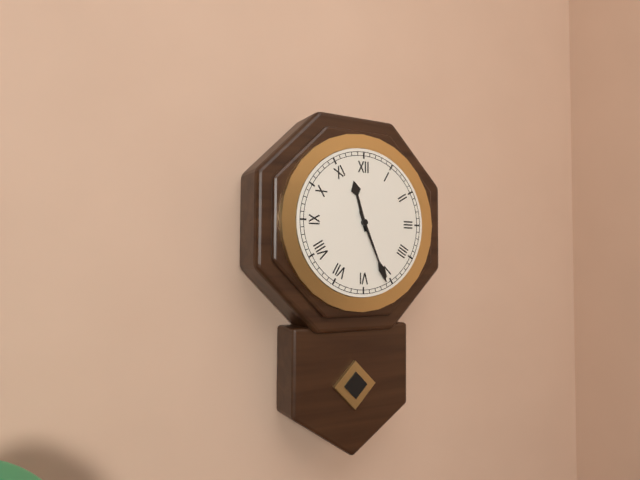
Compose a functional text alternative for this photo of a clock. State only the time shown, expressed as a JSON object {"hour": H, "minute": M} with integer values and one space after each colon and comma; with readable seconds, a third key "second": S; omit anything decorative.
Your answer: {"hour": 11, "minute": 26}
